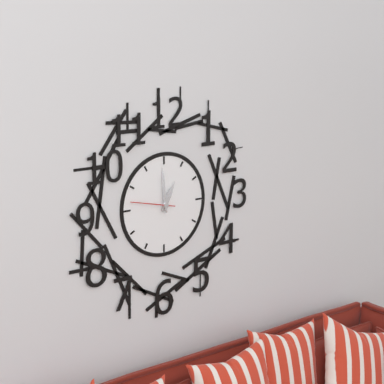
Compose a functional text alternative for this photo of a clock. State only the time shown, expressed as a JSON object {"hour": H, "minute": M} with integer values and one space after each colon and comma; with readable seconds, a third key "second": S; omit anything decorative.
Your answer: {"hour": 12, "minute": 59}
